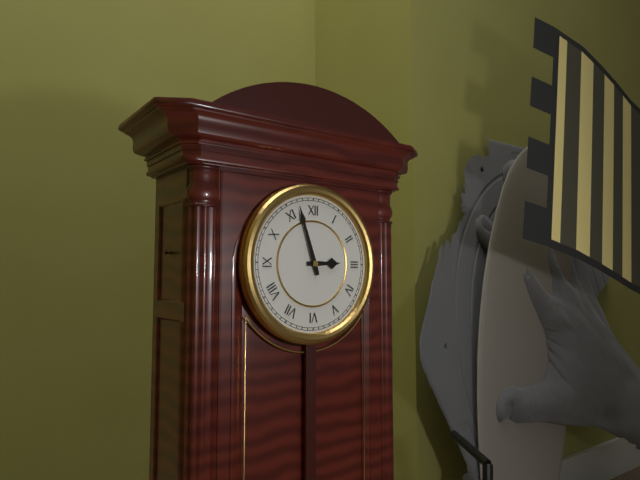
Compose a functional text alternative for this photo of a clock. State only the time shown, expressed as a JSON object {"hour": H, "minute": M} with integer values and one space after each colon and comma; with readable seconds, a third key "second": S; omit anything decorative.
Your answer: {"hour": 2, "minute": 57}
